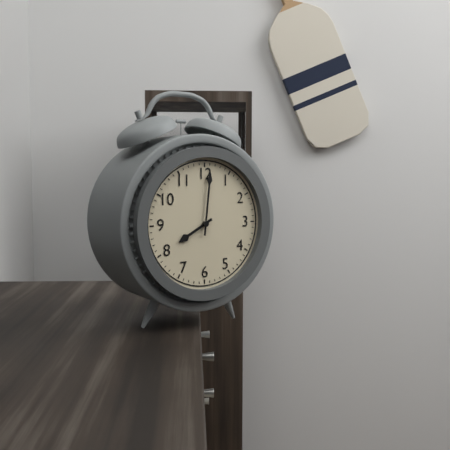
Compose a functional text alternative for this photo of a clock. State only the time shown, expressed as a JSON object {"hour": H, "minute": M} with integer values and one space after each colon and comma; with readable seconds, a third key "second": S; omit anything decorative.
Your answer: {"hour": 8, "minute": 1}
